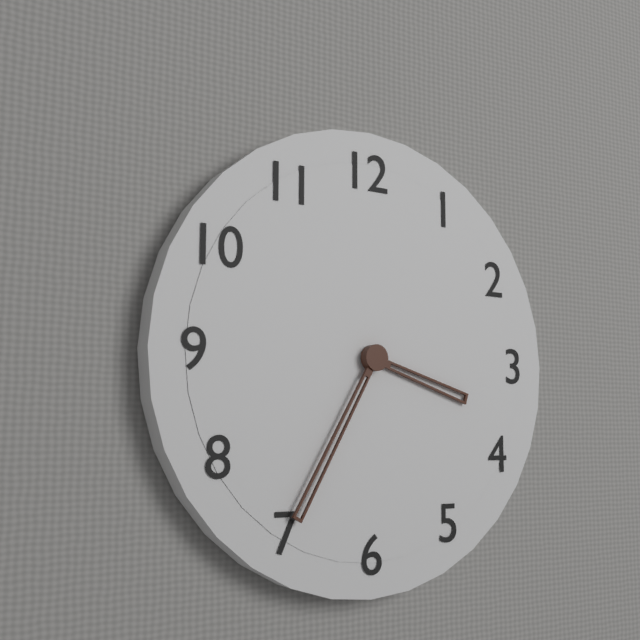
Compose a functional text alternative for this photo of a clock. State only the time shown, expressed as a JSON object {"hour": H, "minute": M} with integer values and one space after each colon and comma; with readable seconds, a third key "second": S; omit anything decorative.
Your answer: {"hour": 3, "minute": 35}
